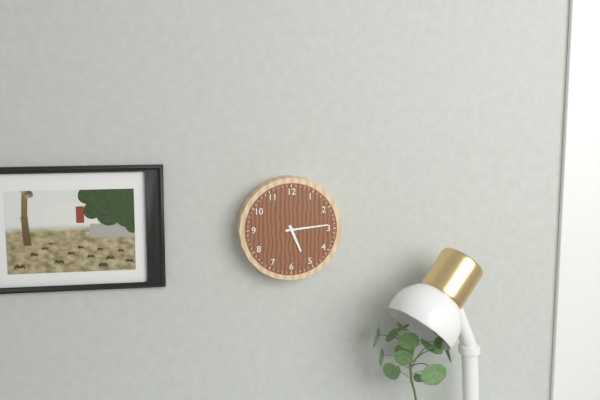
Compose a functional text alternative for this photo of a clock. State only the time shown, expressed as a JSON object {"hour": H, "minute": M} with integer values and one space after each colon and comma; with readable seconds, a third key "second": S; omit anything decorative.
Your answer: {"hour": 5, "minute": 14}
